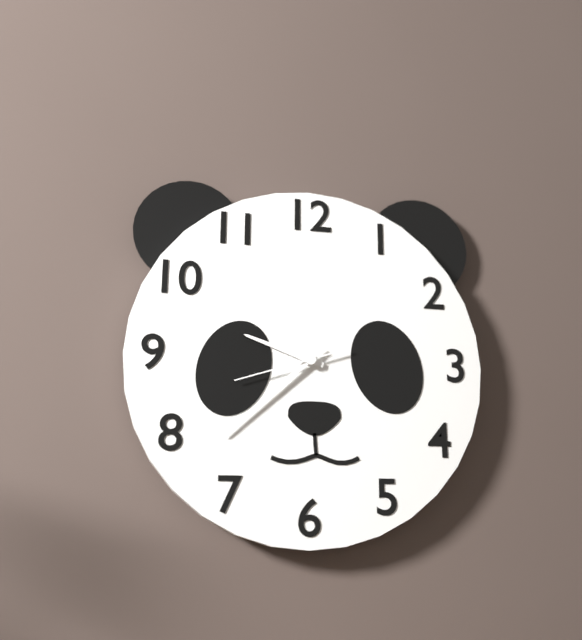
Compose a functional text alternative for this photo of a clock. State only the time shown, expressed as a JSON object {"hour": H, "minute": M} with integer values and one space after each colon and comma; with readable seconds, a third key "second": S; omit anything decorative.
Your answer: {"hour": 9, "minute": 38, "second": 42}
